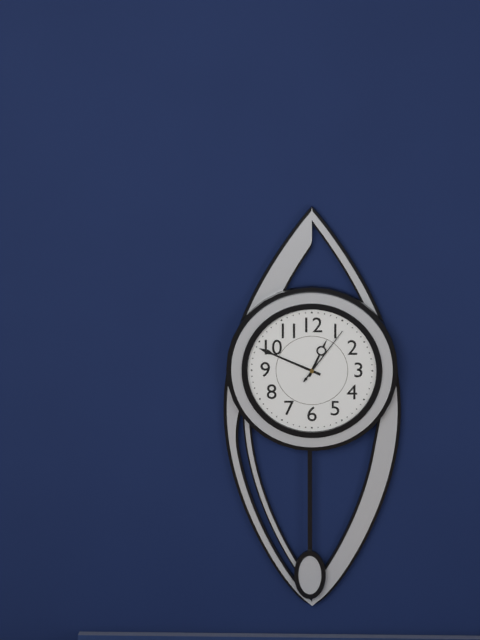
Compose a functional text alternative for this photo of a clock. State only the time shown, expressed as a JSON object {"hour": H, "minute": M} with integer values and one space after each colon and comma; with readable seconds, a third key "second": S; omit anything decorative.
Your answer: {"hour": 12, "minute": 49, "second": 6}
